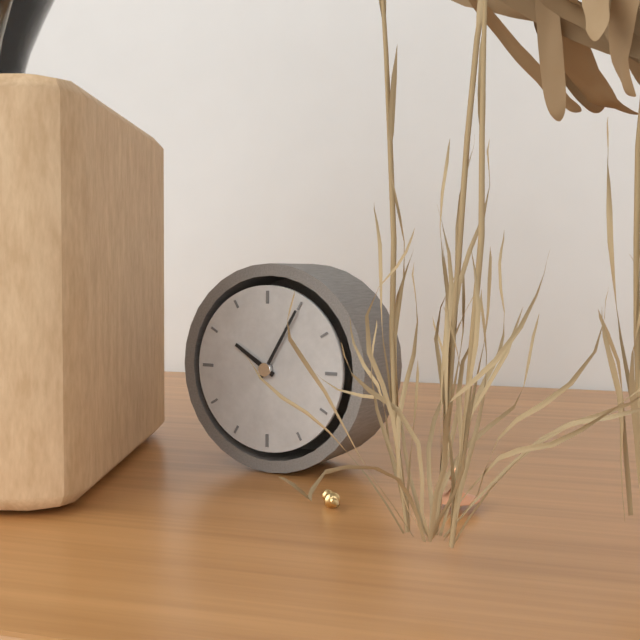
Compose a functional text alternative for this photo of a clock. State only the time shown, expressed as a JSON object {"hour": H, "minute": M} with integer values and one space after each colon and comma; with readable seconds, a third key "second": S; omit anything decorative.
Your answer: {"hour": 10, "minute": 5}
